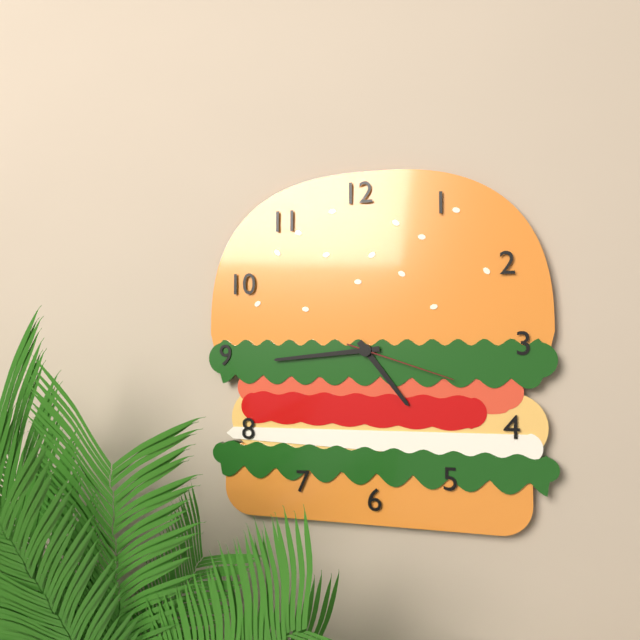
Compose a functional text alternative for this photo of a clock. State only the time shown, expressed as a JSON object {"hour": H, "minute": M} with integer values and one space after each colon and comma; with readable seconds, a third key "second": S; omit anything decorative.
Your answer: {"hour": 4, "minute": 44, "second": 18}
